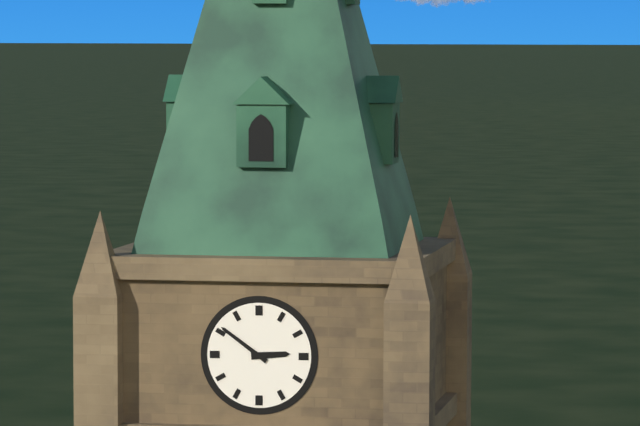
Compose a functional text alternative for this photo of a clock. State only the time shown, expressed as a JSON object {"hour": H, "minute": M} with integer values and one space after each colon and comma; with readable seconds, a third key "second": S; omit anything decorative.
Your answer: {"hour": 2, "minute": 51}
